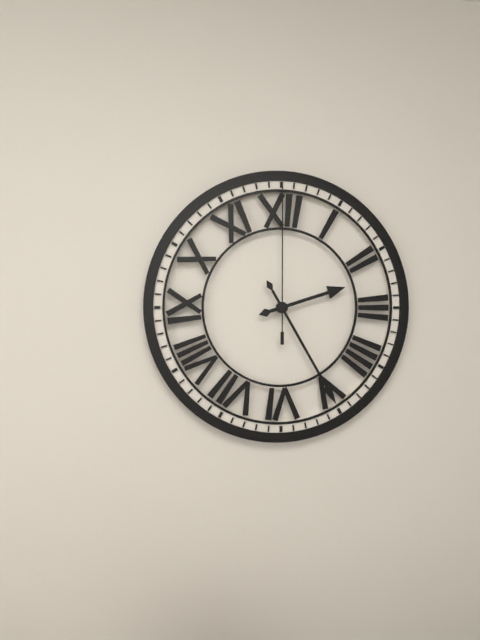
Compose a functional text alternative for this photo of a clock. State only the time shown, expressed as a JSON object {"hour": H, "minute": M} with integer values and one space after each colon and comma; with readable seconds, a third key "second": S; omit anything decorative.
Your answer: {"hour": 2, "minute": 25, "second": 0}
